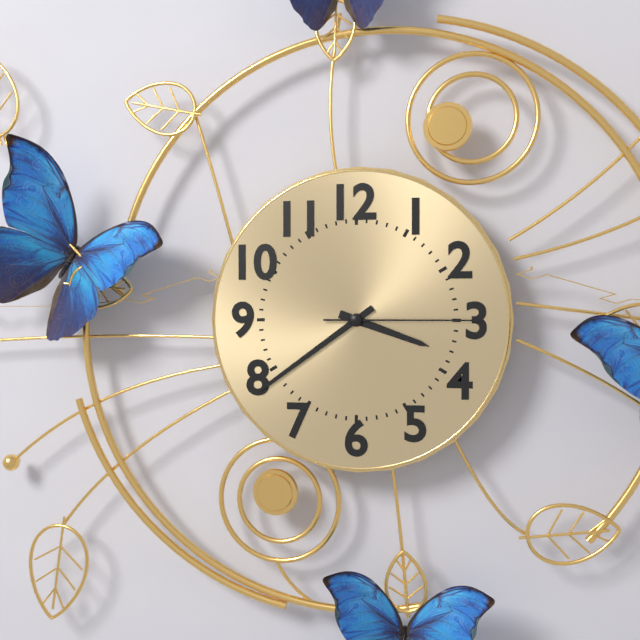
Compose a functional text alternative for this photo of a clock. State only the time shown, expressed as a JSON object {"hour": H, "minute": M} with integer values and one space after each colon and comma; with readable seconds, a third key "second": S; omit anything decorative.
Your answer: {"hour": 3, "minute": 39, "second": 15}
